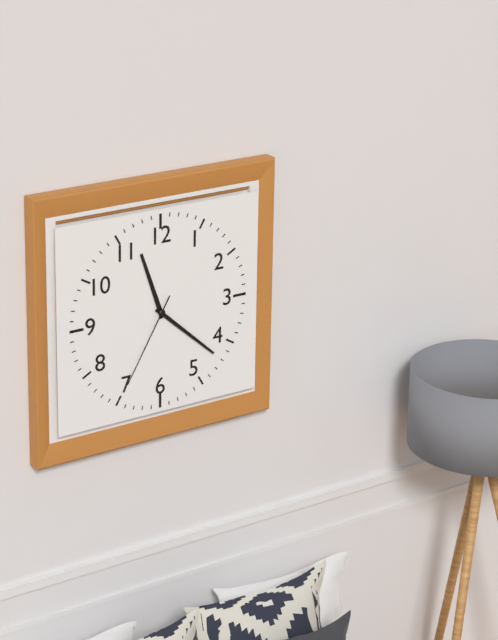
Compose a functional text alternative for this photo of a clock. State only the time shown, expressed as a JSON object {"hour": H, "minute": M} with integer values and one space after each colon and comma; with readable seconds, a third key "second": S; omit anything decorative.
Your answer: {"hour": 11, "minute": 22, "second": 35}
